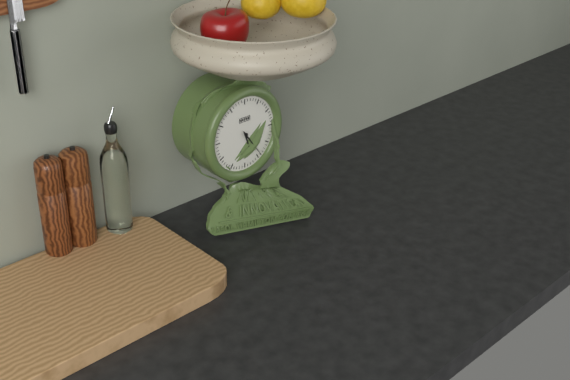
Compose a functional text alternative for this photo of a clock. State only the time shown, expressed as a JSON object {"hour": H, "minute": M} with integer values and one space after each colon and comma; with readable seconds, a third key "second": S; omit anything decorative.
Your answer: {"hour": 5, "minute": 24}
